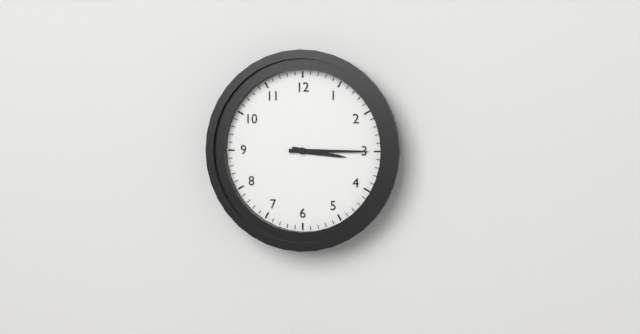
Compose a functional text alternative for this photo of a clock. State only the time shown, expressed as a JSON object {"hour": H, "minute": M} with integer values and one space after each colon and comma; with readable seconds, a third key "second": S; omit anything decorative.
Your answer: {"hour": 3, "minute": 15}
